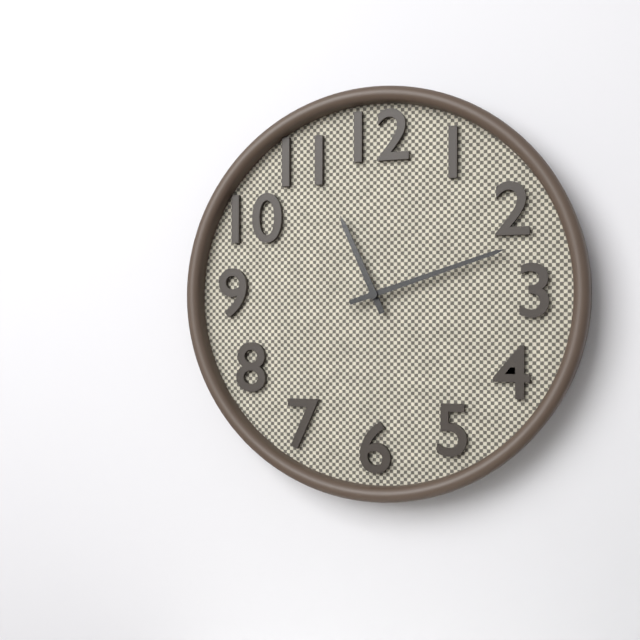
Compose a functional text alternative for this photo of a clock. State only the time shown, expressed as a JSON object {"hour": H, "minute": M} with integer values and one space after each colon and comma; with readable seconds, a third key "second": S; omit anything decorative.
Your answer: {"hour": 11, "minute": 12}
